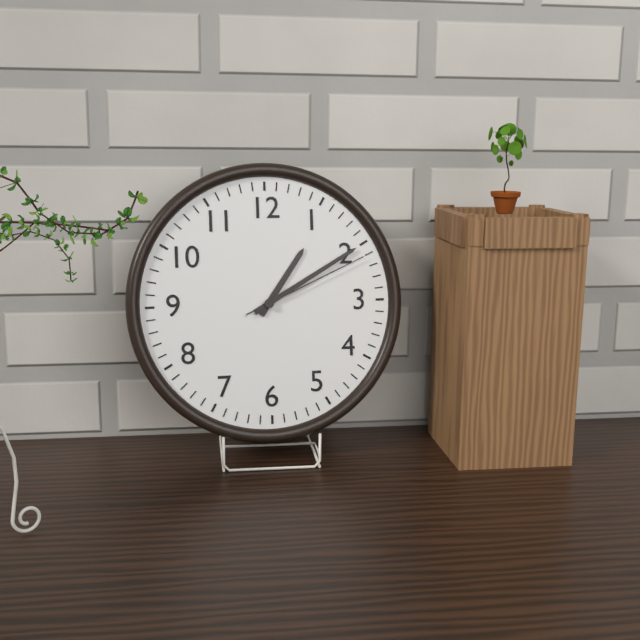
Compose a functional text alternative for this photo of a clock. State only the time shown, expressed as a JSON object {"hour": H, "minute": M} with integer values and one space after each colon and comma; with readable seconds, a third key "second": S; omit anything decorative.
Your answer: {"hour": 1, "minute": 10, "second": 11}
